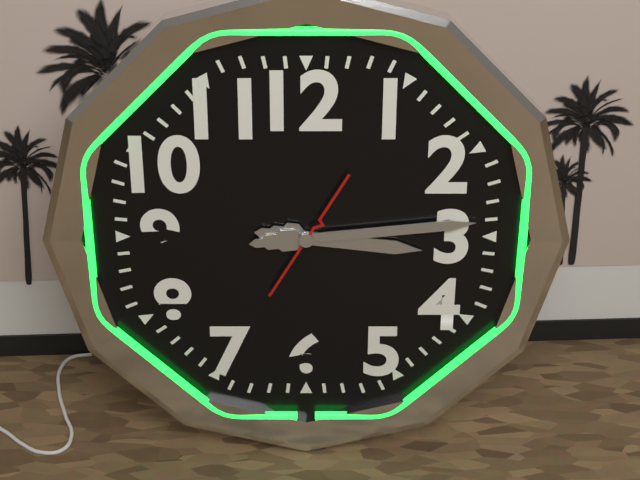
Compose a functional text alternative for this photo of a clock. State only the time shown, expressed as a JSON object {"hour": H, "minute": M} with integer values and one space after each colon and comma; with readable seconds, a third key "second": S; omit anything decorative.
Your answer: {"hour": 3, "minute": 14, "second": 5}
